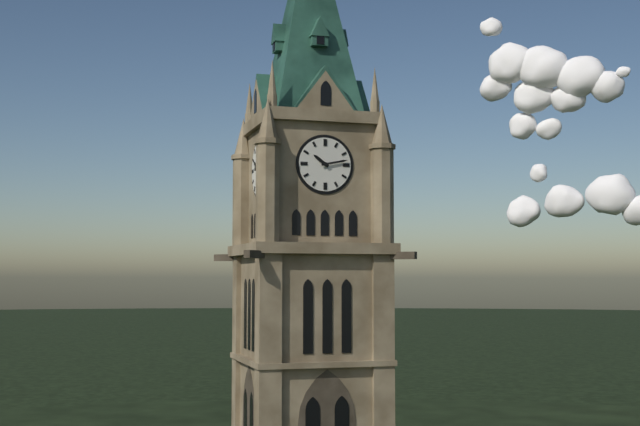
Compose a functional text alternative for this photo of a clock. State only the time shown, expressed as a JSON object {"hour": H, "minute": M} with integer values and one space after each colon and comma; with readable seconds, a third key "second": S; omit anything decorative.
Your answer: {"hour": 10, "minute": 13}
